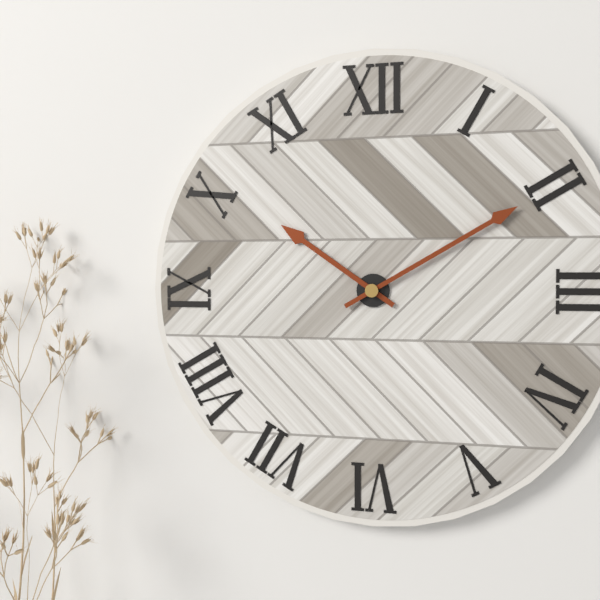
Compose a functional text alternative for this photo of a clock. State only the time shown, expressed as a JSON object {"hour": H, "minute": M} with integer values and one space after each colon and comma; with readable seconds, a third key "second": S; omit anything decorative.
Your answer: {"hour": 10, "minute": 10}
